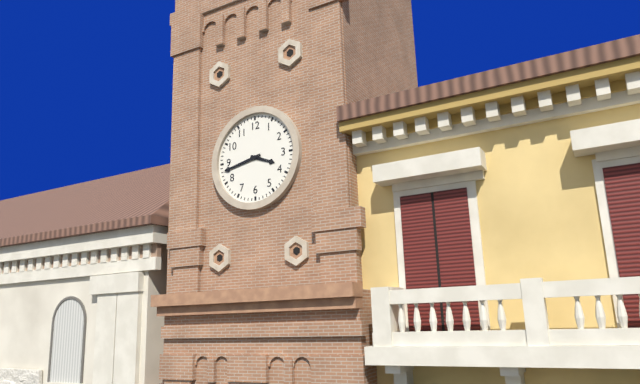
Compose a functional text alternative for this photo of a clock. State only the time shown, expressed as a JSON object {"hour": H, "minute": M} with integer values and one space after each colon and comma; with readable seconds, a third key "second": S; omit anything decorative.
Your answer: {"hour": 3, "minute": 43}
